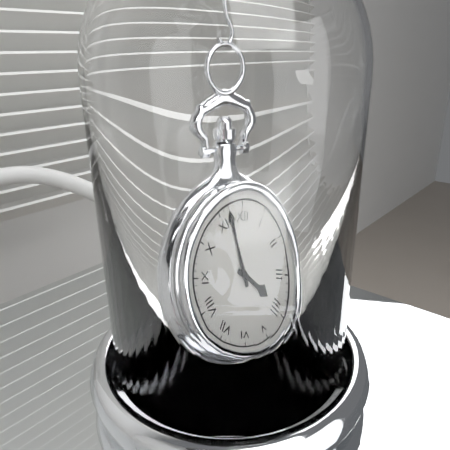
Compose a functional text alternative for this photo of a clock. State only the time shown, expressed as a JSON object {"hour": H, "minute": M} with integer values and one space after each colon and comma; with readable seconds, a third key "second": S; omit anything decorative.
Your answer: {"hour": 3, "minute": 57}
